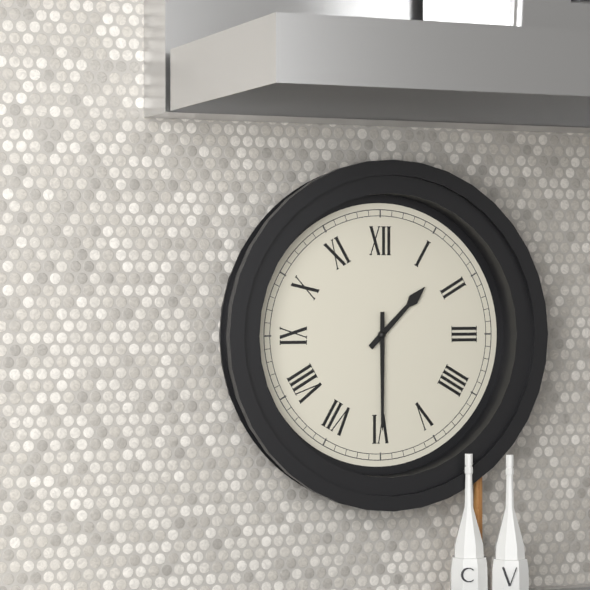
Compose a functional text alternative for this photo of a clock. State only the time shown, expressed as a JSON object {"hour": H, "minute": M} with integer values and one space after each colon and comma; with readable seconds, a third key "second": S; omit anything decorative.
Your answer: {"hour": 1, "minute": 30}
